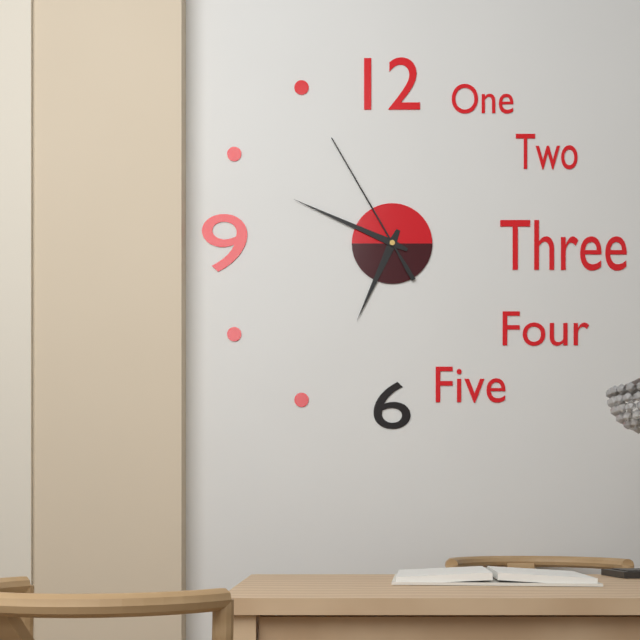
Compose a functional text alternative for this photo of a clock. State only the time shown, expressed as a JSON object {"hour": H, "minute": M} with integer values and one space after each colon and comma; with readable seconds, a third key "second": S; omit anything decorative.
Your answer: {"hour": 6, "minute": 49, "second": 55}
